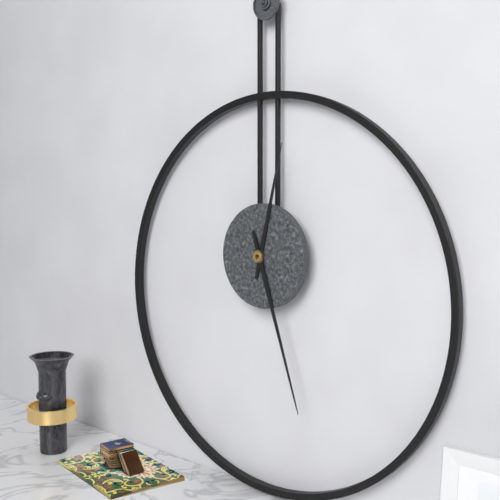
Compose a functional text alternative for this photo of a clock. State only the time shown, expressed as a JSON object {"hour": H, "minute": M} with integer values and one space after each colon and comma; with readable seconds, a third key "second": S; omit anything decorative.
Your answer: {"hour": 12, "minute": 27}
